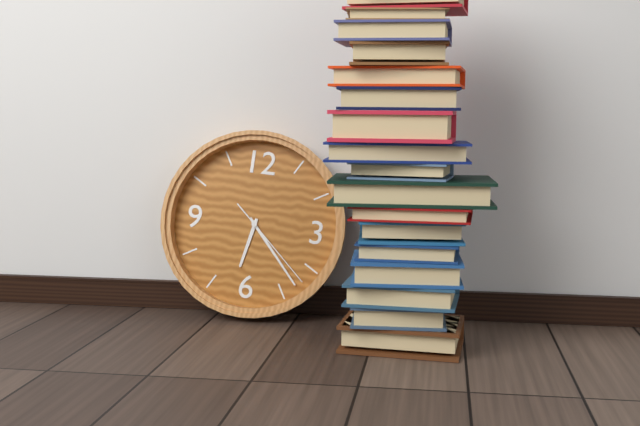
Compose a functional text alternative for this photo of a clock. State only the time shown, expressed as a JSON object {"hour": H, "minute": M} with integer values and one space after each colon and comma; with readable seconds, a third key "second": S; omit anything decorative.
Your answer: {"hour": 6, "minute": 23, "second": 22}
